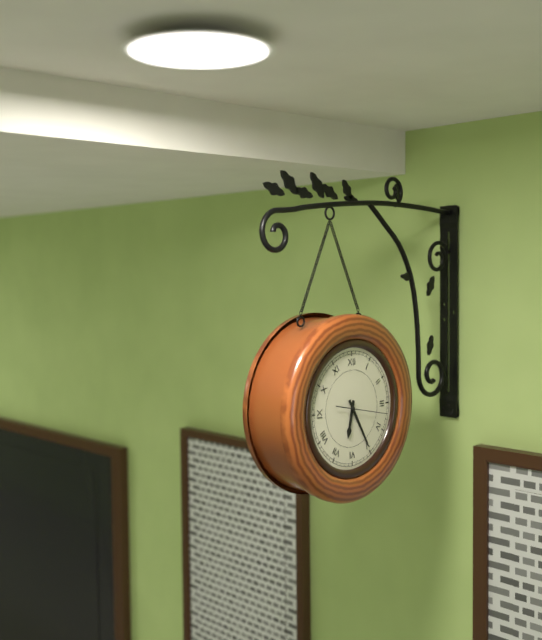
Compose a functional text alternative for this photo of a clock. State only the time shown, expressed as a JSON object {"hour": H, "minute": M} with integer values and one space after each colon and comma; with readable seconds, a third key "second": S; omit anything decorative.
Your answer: {"hour": 6, "minute": 25, "second": 17}
